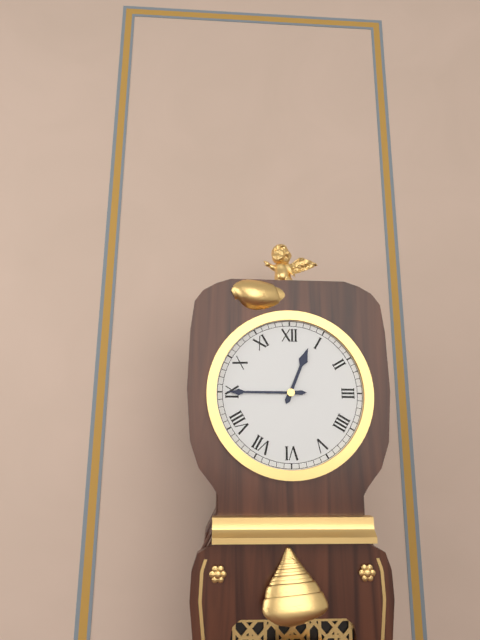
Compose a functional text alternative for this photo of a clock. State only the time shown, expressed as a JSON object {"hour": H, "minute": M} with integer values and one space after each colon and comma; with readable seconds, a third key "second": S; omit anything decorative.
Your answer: {"hour": 12, "minute": 45}
